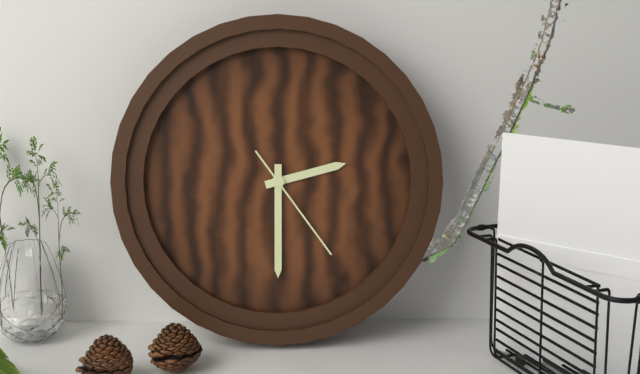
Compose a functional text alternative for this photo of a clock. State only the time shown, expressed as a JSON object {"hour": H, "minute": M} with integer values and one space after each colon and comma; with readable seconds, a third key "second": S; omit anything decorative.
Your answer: {"hour": 2, "minute": 30, "second": 24}
